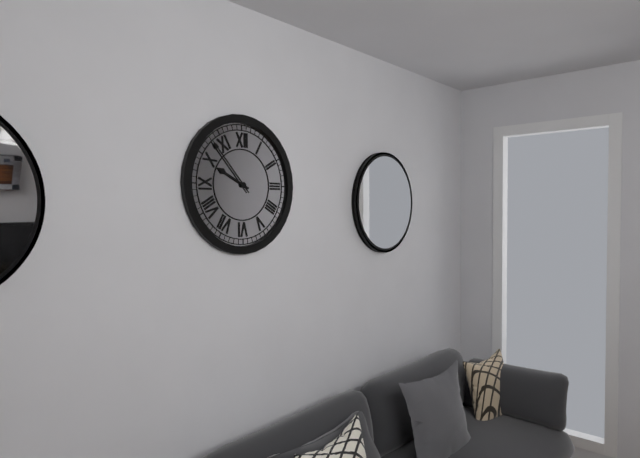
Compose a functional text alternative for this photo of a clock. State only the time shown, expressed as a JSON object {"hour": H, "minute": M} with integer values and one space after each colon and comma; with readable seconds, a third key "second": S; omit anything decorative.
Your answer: {"hour": 9, "minute": 53}
